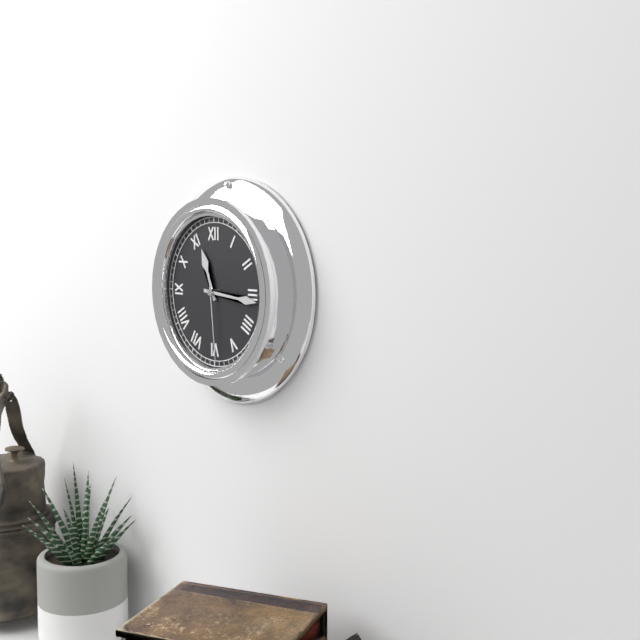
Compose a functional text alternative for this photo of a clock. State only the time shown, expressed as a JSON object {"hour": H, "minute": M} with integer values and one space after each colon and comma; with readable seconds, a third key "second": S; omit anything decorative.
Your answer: {"hour": 11, "minute": 16, "second": 29}
